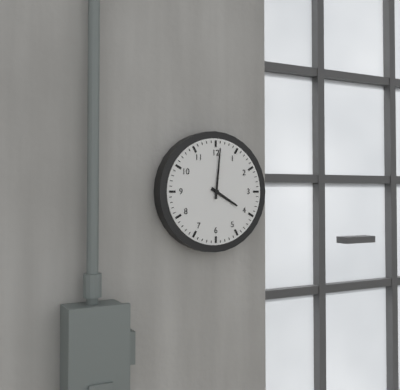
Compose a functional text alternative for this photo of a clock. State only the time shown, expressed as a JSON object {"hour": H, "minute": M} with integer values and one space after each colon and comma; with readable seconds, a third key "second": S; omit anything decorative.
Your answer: {"hour": 4, "minute": 1}
